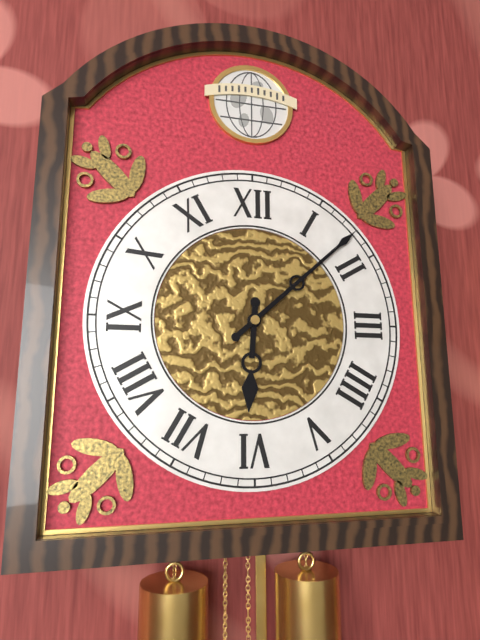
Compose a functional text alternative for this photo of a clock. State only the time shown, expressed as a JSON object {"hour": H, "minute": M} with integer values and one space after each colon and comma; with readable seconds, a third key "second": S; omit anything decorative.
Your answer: {"hour": 6, "minute": 8}
